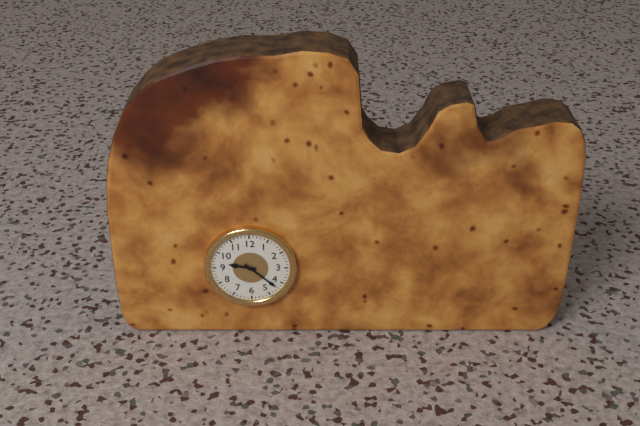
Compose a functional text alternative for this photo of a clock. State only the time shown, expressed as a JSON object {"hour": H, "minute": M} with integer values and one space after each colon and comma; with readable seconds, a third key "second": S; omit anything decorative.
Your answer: {"hour": 9, "minute": 22}
